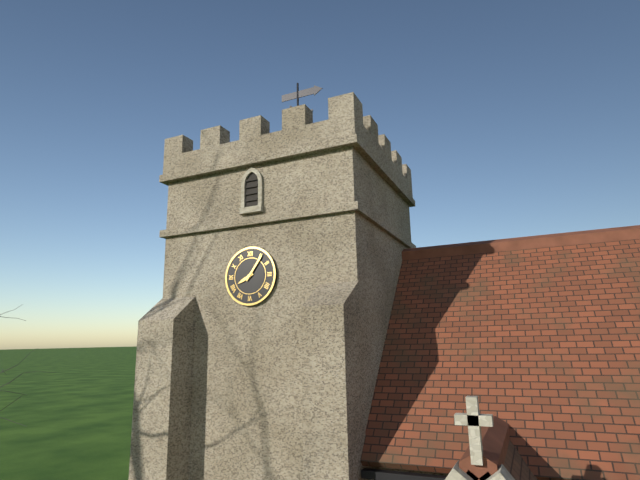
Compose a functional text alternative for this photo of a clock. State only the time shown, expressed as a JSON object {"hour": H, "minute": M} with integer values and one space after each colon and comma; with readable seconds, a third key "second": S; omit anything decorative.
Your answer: {"hour": 8, "minute": 6}
